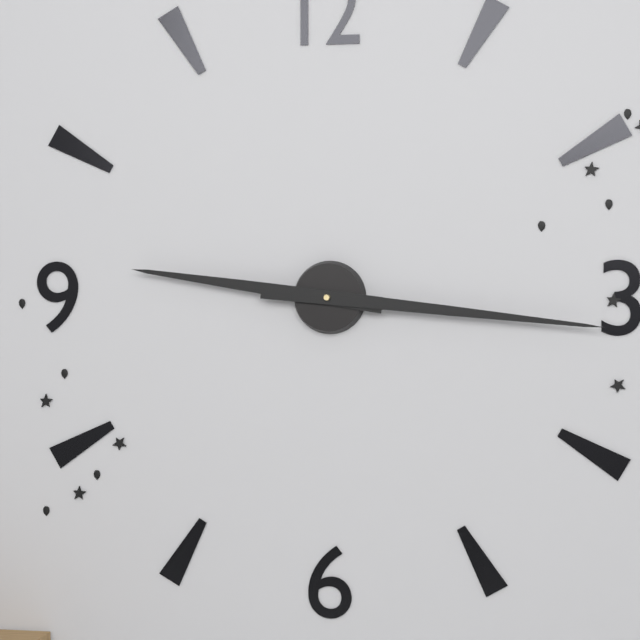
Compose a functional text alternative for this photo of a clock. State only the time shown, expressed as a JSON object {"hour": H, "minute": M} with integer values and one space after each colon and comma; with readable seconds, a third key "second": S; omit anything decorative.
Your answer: {"hour": 9, "minute": 16}
